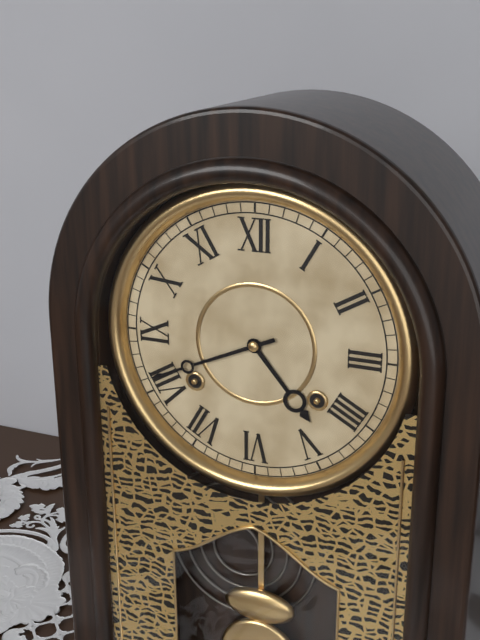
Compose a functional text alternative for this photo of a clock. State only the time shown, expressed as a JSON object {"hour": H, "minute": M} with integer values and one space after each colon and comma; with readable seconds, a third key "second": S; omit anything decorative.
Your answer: {"hour": 4, "minute": 41}
